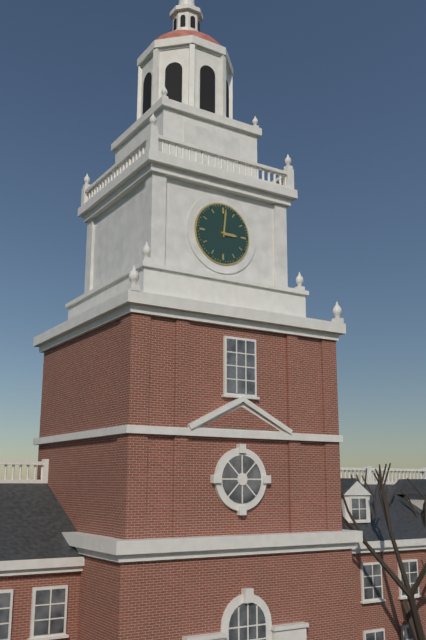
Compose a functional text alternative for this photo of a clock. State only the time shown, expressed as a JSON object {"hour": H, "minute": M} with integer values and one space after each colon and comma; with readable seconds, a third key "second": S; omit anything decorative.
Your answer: {"hour": 3, "minute": 1}
